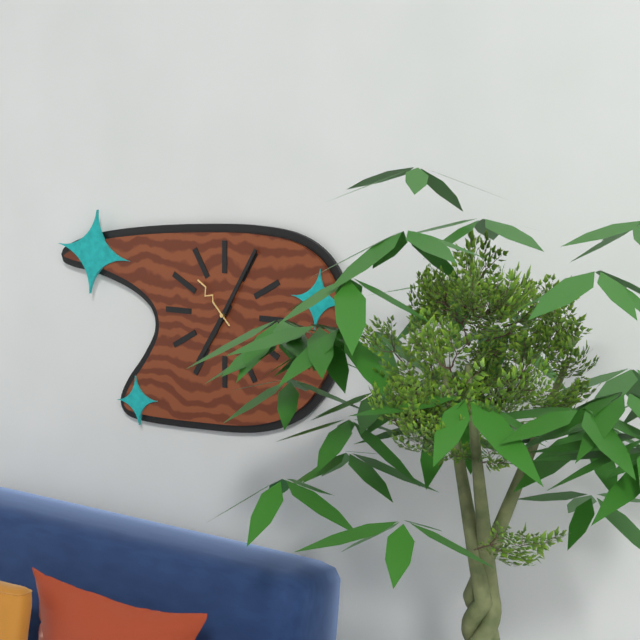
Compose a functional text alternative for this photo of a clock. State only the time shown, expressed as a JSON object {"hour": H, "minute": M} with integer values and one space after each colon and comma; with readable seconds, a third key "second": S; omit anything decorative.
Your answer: {"hour": 7, "minute": 5, "second": 53}
